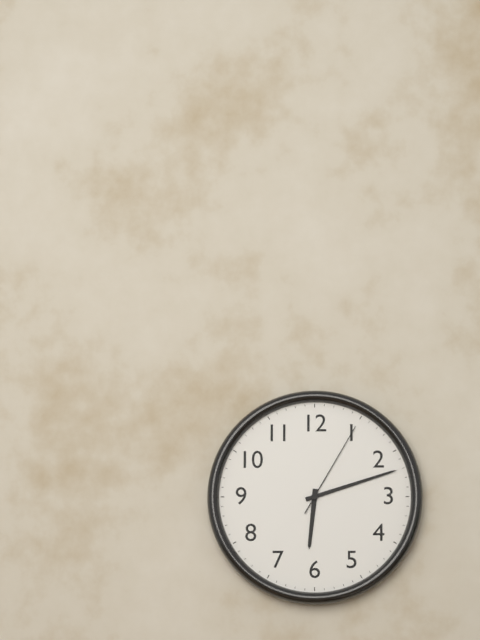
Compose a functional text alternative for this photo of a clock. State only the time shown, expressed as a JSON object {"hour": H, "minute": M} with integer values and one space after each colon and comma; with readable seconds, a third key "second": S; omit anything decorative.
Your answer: {"hour": 6, "minute": 12, "second": 5}
